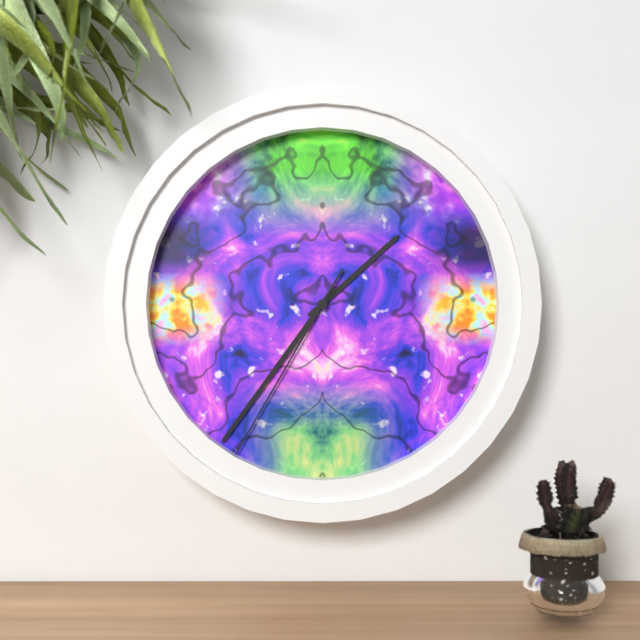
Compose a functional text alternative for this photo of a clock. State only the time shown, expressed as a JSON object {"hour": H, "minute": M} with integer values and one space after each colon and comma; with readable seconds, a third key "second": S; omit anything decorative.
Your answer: {"hour": 1, "minute": 36, "second": 35}
